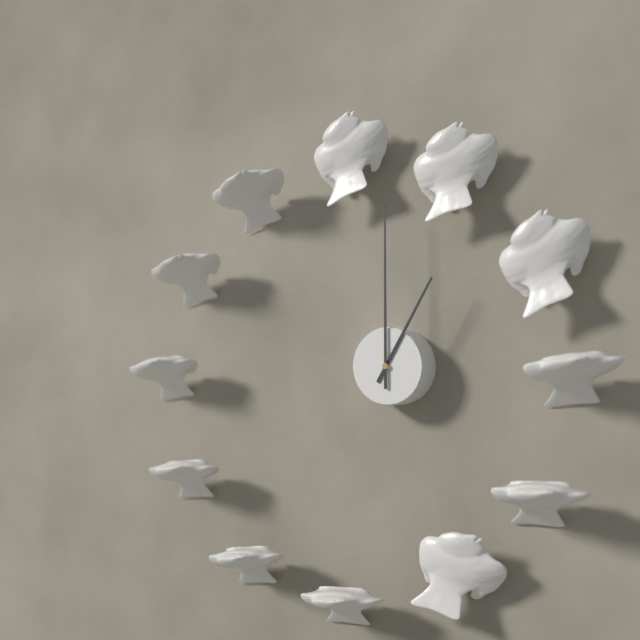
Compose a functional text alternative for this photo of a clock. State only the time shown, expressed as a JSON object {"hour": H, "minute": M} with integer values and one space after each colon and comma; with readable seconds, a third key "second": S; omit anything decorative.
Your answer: {"hour": 1, "minute": 0}
